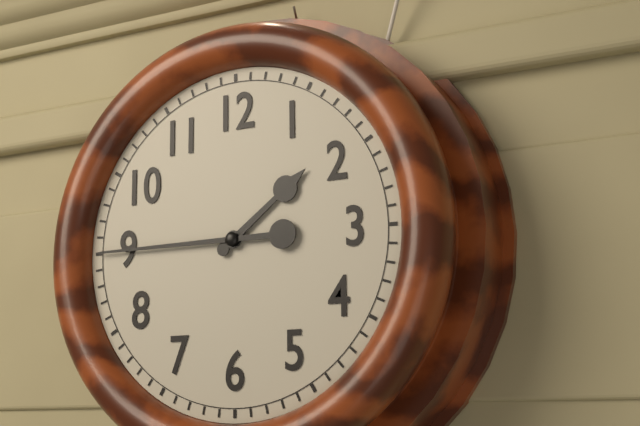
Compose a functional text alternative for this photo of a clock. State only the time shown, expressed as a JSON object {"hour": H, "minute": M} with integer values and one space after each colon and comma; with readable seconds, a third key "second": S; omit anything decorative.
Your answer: {"hour": 1, "minute": 45}
